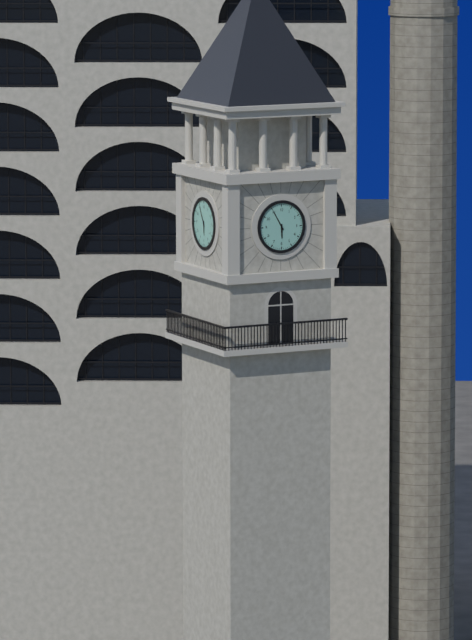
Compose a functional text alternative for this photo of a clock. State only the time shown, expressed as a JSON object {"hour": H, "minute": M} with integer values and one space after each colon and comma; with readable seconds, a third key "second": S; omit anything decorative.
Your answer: {"hour": 5, "minute": 55}
